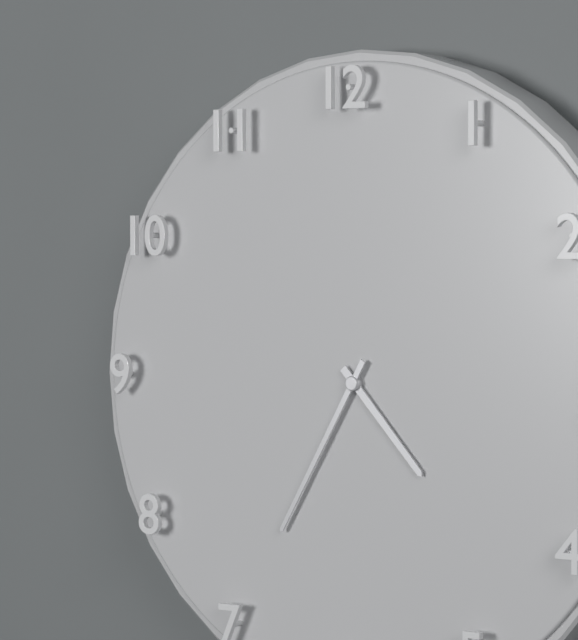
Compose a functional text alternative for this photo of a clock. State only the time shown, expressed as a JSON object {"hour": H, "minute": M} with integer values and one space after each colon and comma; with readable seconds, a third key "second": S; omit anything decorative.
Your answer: {"hour": 4, "minute": 35}
